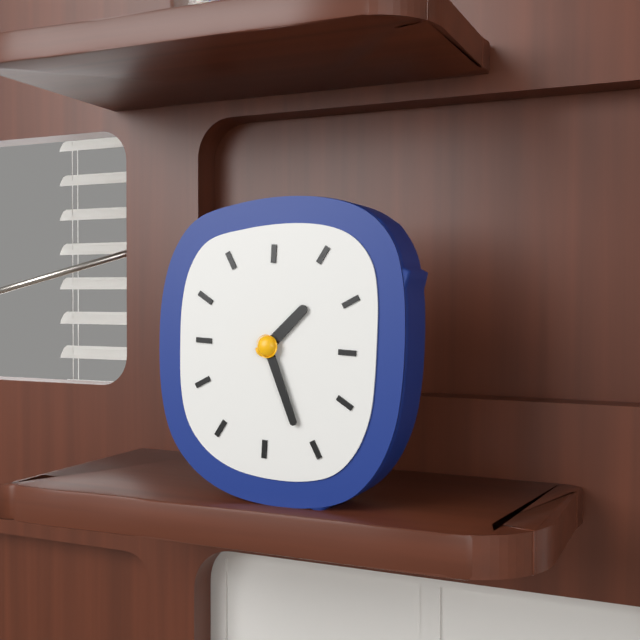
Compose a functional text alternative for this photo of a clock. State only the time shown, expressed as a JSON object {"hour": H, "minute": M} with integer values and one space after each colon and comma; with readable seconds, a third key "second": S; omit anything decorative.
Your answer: {"hour": 1, "minute": 26}
